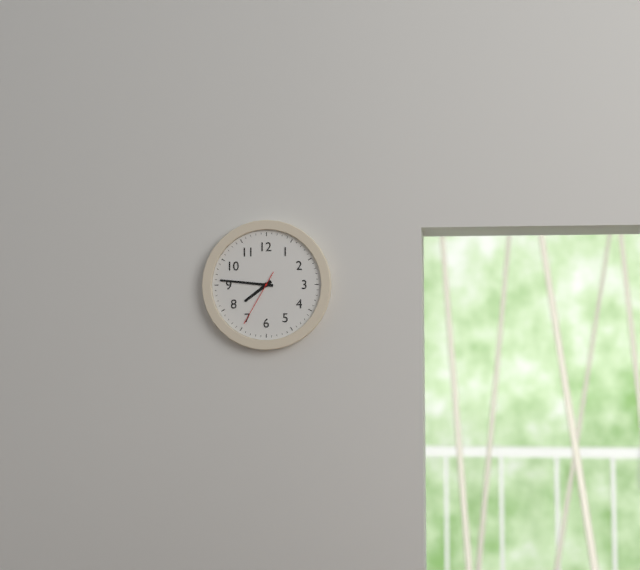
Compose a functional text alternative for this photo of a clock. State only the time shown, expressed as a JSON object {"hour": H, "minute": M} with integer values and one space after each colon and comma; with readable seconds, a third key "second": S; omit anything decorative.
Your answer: {"hour": 7, "minute": 46, "second": 35}
